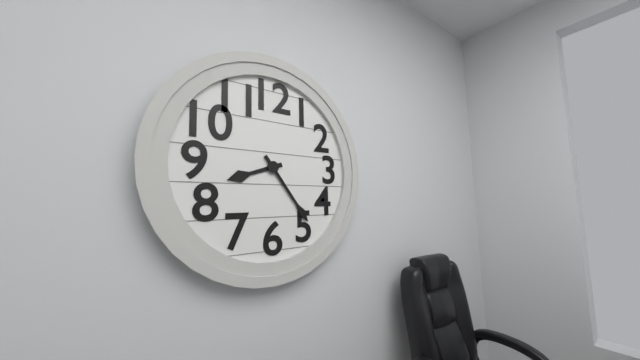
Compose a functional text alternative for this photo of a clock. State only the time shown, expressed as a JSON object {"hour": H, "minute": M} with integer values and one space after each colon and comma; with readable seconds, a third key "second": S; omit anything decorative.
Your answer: {"hour": 8, "minute": 24}
